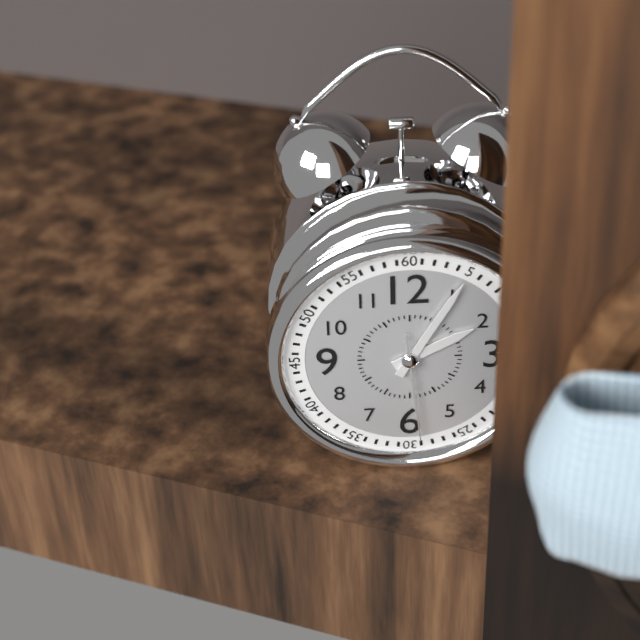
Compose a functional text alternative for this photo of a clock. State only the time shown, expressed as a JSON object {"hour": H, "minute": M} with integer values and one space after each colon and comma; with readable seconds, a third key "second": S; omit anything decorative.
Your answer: {"hour": 2, "minute": 5, "second": 29}
